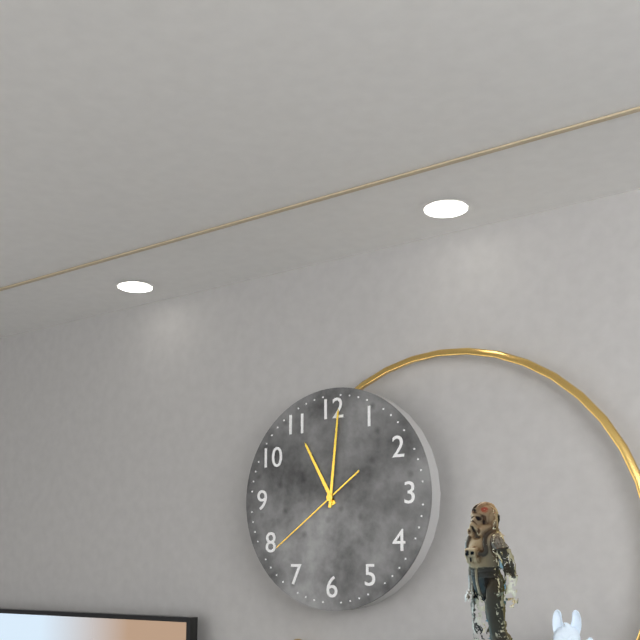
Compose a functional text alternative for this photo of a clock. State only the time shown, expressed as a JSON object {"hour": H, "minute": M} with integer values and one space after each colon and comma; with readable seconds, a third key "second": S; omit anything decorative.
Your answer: {"hour": 11, "minute": 1, "second": 39}
